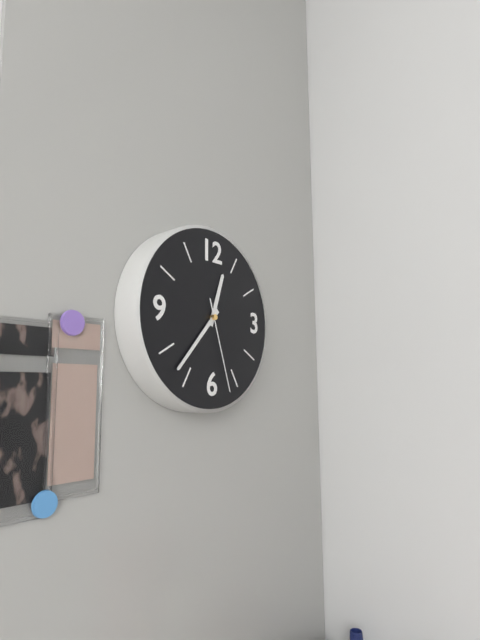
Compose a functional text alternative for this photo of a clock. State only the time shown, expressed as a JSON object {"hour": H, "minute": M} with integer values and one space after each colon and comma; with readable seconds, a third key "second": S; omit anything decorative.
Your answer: {"hour": 12, "minute": 37, "second": 27}
